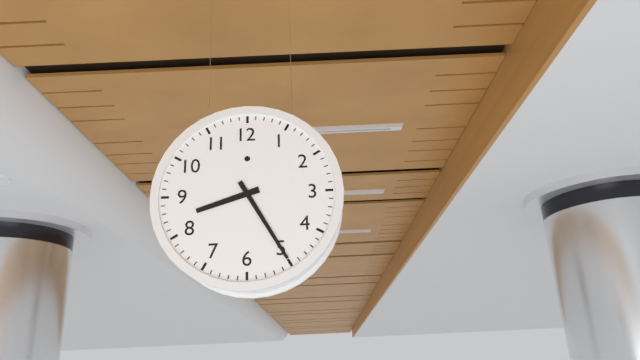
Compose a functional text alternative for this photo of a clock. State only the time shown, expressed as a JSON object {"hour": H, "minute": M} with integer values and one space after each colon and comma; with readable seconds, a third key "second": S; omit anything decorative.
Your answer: {"hour": 8, "minute": 25}
